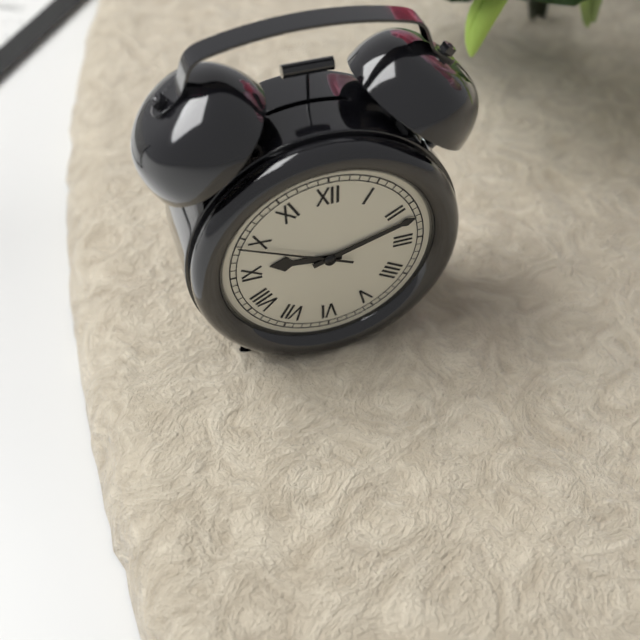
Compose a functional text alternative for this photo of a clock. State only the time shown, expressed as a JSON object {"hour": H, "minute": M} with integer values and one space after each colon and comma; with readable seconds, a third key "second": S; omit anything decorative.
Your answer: {"hour": 9, "minute": 12, "second": 49}
